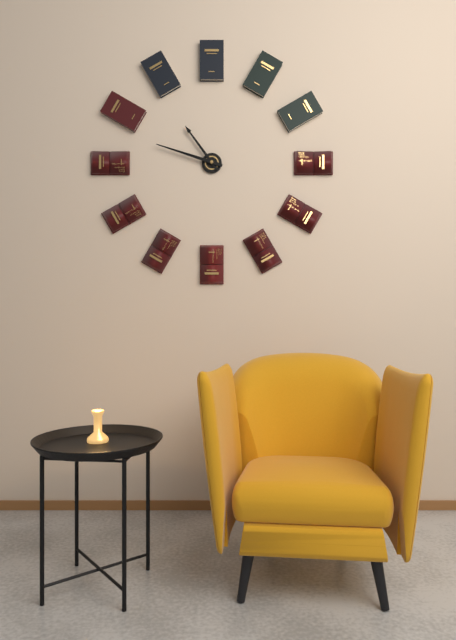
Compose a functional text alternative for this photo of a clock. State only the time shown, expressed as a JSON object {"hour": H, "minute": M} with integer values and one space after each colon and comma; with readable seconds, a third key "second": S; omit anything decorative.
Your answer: {"hour": 10, "minute": 48}
